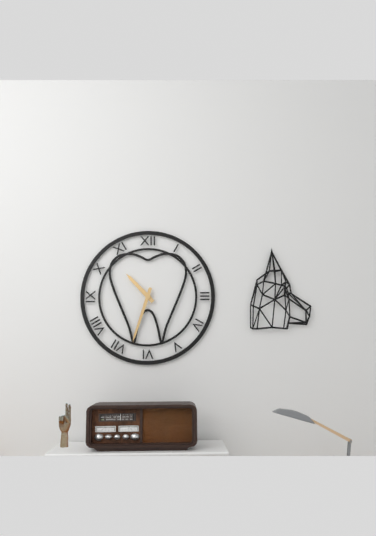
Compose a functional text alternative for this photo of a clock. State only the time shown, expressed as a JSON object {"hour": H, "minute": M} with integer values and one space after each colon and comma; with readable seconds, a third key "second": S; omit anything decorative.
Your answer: {"hour": 10, "minute": 33}
